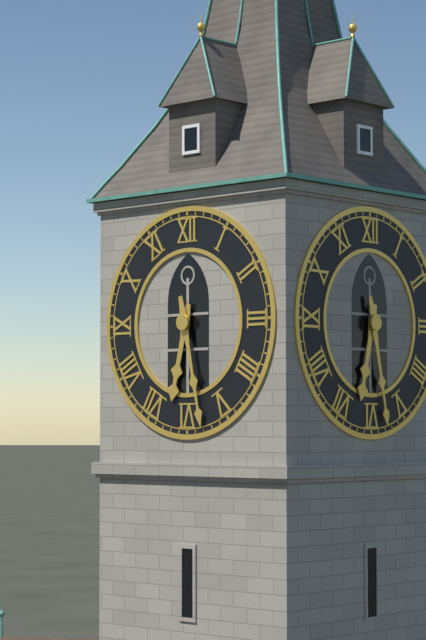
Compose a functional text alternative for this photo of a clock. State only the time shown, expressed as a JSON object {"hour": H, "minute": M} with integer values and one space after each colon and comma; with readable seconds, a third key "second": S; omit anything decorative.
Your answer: {"hour": 6, "minute": 28}
